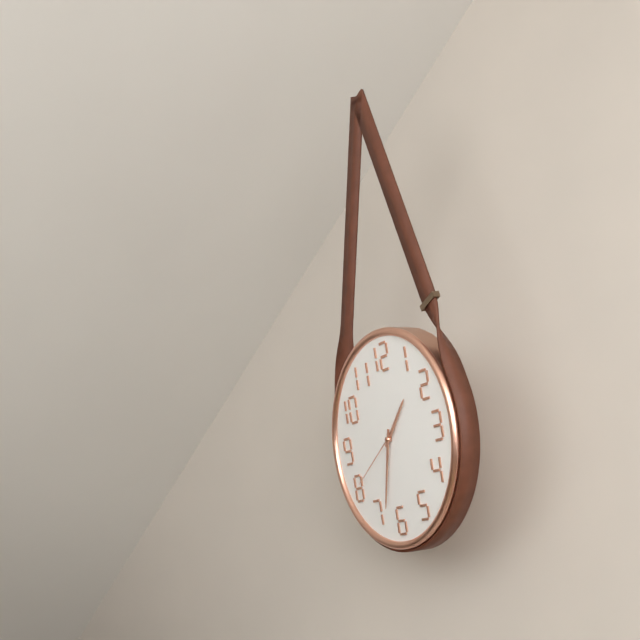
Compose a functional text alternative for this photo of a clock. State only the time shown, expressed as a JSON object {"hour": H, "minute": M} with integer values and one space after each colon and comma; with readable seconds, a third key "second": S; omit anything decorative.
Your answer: {"hour": 1, "minute": 33, "second": 40}
